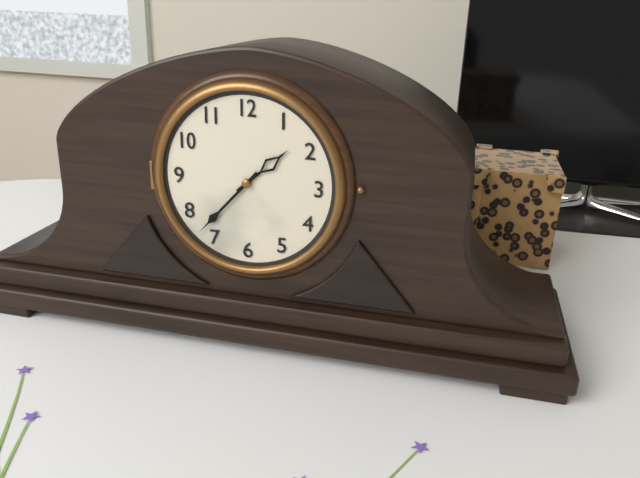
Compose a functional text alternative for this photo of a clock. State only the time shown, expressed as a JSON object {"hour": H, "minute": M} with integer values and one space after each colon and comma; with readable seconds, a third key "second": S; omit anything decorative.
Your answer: {"hour": 1, "minute": 37}
